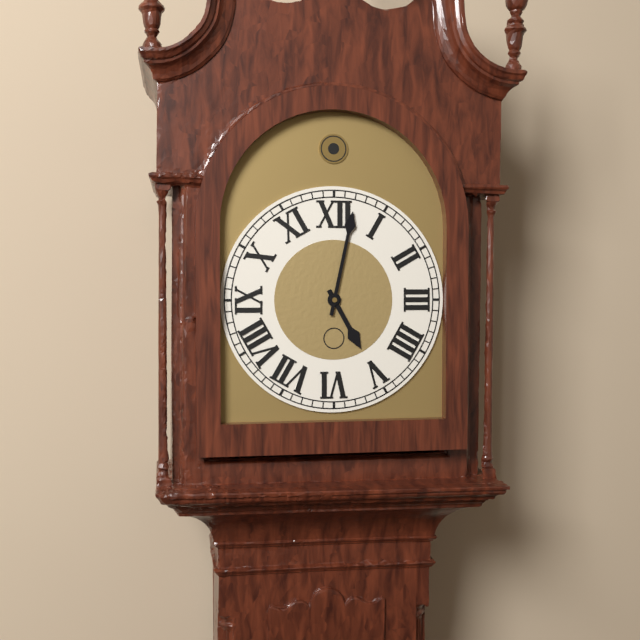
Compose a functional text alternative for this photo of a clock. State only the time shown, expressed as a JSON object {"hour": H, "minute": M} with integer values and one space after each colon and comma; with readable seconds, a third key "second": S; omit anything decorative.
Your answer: {"hour": 5, "minute": 2}
